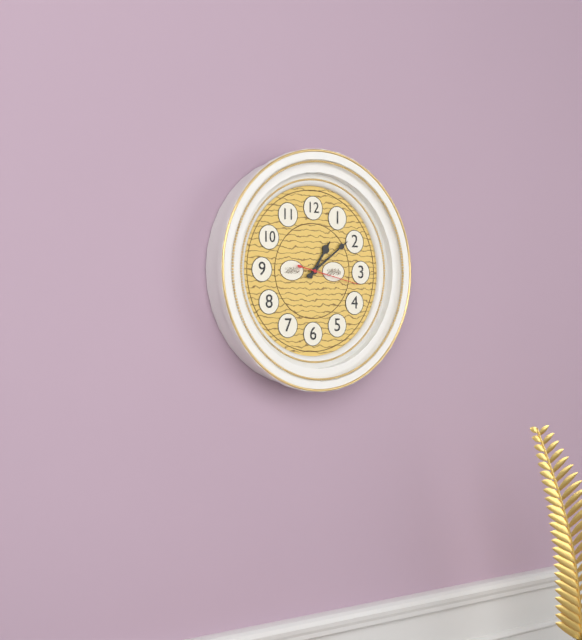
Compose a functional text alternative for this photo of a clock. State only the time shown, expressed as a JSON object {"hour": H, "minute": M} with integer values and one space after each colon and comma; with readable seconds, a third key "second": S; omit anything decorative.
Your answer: {"hour": 1, "minute": 9, "second": 17}
